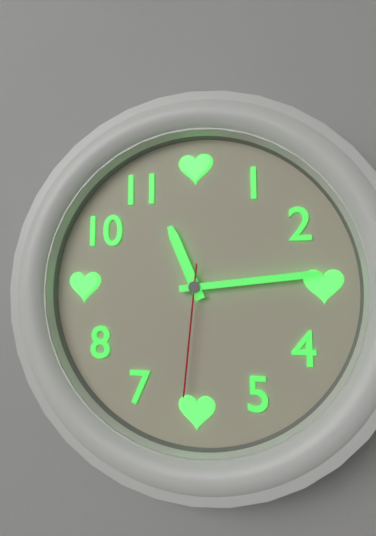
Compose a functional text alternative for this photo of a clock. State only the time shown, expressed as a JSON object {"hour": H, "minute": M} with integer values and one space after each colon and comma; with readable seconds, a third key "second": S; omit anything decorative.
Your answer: {"hour": 11, "minute": 14, "second": 31}
